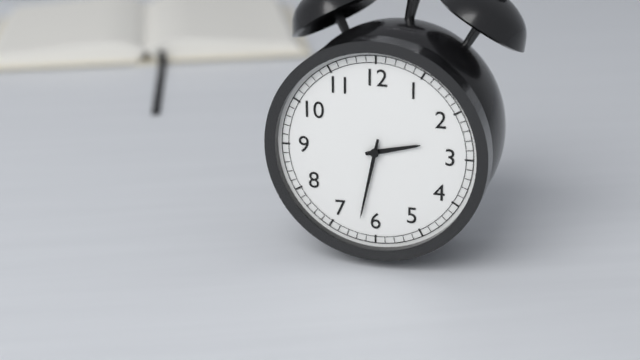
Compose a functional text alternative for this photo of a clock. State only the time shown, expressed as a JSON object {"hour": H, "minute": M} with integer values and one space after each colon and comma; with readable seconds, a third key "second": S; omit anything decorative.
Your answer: {"hour": 2, "minute": 32}
